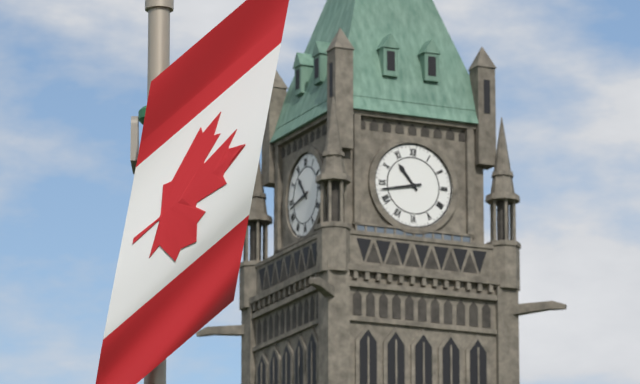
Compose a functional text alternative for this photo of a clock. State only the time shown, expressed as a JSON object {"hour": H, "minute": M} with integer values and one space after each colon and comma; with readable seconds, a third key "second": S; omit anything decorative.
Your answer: {"hour": 10, "minute": 43}
